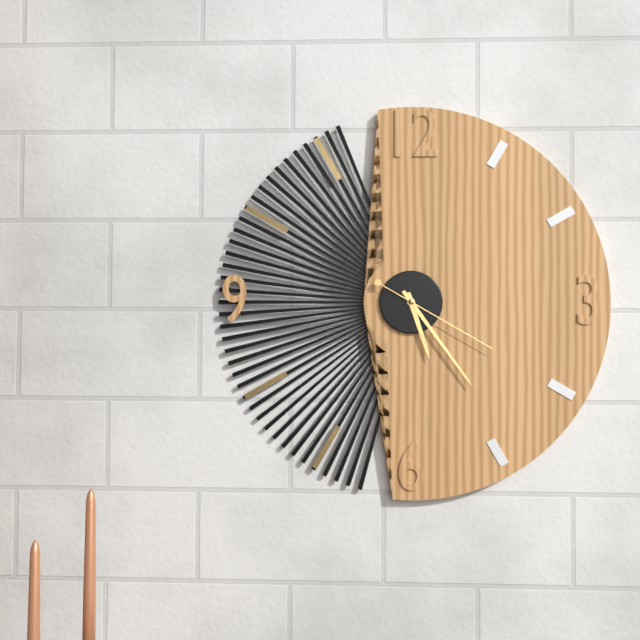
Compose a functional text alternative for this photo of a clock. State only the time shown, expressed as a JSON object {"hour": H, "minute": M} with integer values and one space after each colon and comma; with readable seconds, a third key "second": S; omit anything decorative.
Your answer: {"hour": 5, "minute": 24, "second": 20}
